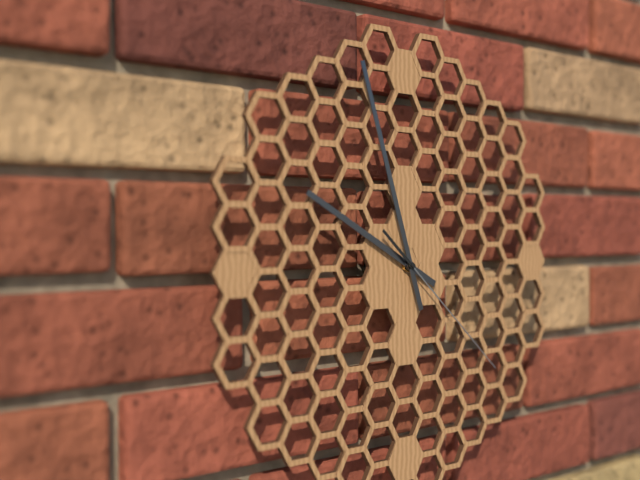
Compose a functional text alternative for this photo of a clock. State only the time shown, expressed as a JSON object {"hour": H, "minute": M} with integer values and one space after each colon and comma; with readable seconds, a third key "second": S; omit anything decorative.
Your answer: {"hour": 9, "minute": 57, "second": 22}
